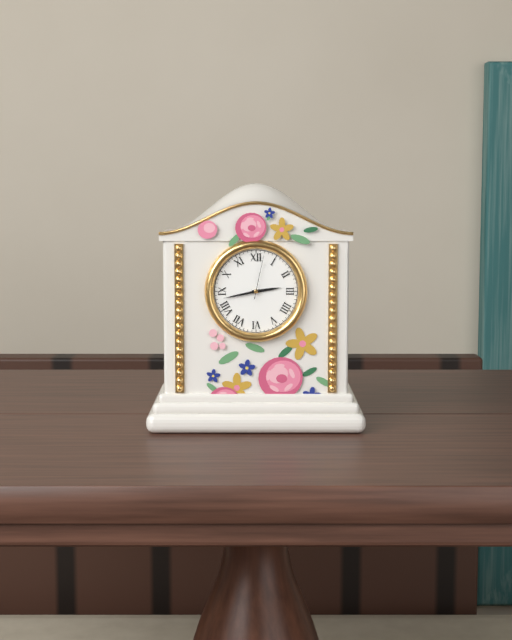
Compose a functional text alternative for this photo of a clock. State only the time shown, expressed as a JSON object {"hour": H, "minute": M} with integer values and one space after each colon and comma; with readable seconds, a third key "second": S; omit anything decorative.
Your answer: {"hour": 2, "minute": 43}
